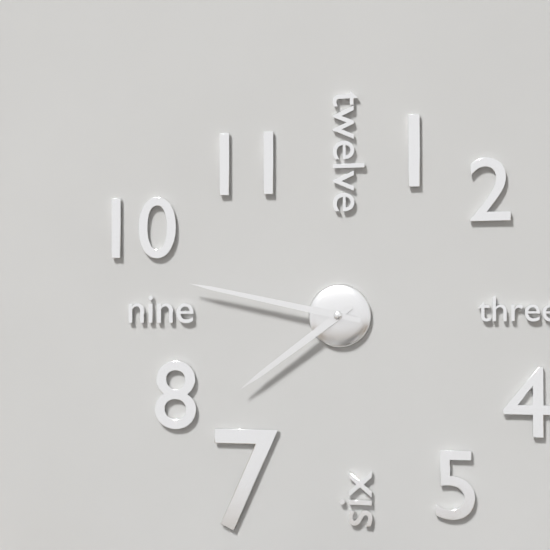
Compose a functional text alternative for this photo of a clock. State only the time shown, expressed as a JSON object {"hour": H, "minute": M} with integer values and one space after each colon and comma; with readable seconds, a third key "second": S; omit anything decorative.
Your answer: {"hour": 7, "minute": 47}
